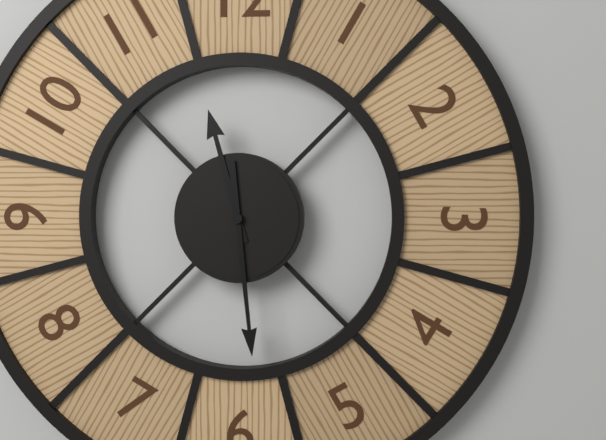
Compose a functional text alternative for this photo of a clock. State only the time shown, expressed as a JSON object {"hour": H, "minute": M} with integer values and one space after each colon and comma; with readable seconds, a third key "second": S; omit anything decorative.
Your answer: {"hour": 11, "minute": 29}
